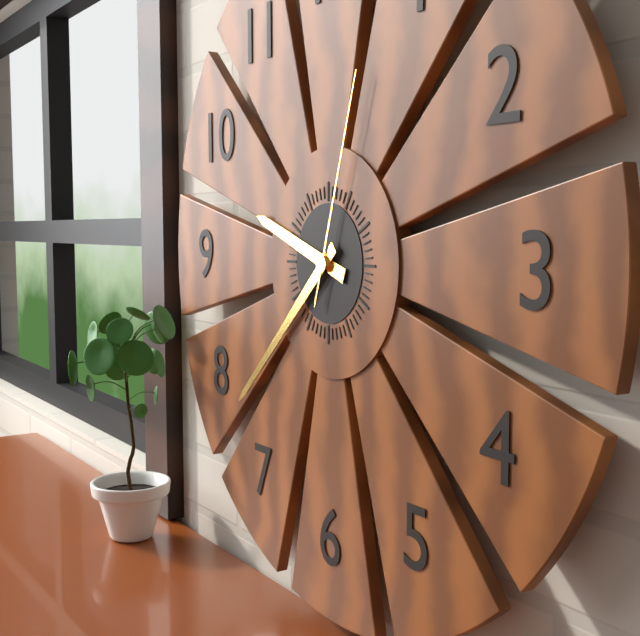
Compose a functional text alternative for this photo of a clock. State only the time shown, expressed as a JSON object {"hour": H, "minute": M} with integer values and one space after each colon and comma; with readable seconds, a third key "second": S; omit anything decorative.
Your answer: {"hour": 9, "minute": 38, "second": 3}
